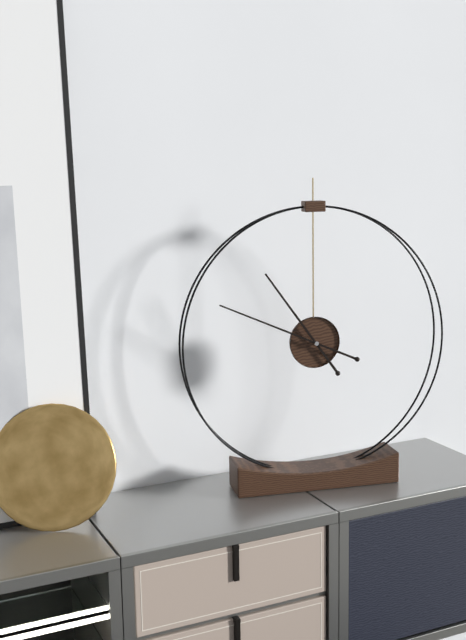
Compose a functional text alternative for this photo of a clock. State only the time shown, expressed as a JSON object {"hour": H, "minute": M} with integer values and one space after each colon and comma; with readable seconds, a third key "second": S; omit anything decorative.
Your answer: {"hour": 10, "minute": 49}
